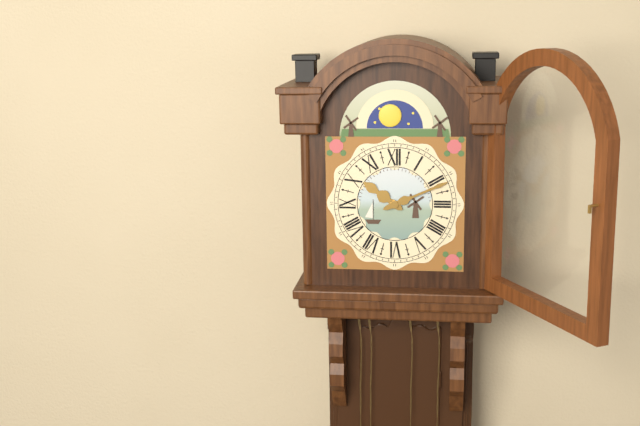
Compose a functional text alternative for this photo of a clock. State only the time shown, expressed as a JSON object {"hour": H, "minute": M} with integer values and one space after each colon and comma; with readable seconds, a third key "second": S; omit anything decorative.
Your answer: {"hour": 10, "minute": 11}
